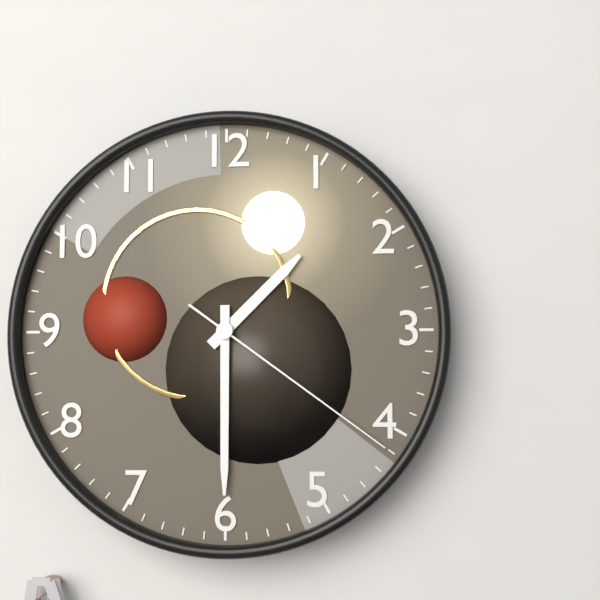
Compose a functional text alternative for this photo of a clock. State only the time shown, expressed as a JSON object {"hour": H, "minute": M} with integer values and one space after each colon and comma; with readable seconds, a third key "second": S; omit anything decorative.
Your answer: {"hour": 1, "minute": 30, "second": 21}
